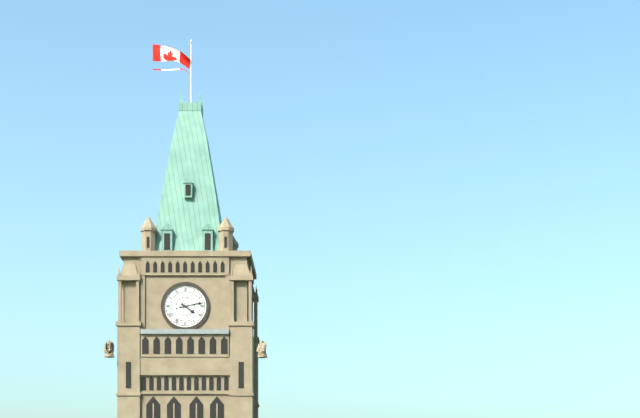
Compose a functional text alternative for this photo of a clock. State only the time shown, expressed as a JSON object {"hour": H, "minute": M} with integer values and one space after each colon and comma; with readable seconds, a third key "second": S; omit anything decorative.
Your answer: {"hour": 4, "minute": 13}
